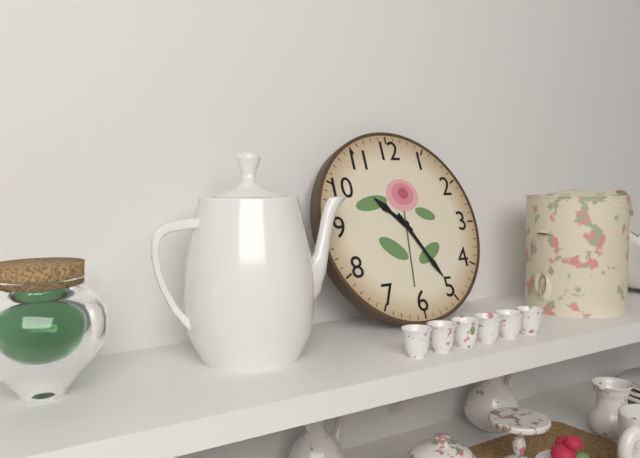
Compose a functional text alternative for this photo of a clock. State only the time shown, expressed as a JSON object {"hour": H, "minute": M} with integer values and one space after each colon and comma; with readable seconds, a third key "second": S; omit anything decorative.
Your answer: {"hour": 10, "minute": 25}
